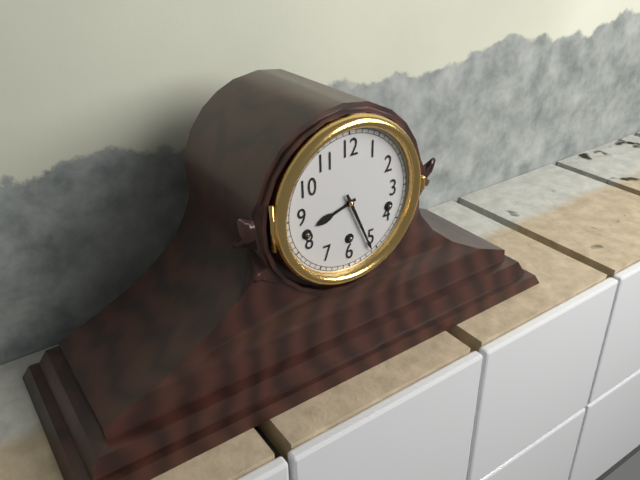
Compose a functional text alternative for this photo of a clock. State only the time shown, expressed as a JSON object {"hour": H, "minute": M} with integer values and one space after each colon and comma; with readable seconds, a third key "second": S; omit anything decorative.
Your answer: {"hour": 8, "minute": 26}
